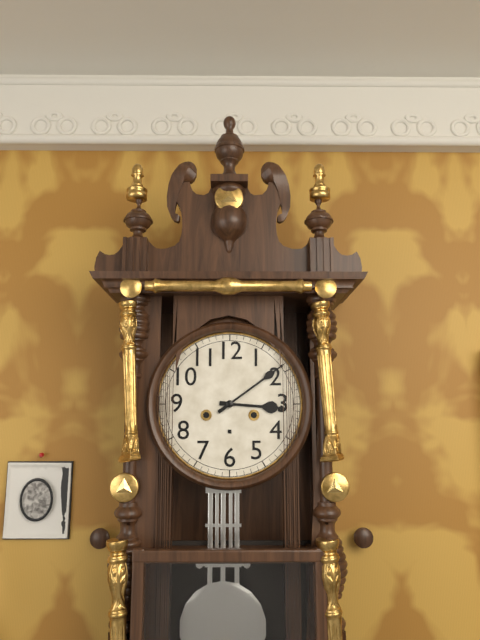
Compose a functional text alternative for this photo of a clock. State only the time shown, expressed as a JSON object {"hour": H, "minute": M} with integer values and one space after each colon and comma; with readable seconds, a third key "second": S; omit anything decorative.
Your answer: {"hour": 3, "minute": 9}
